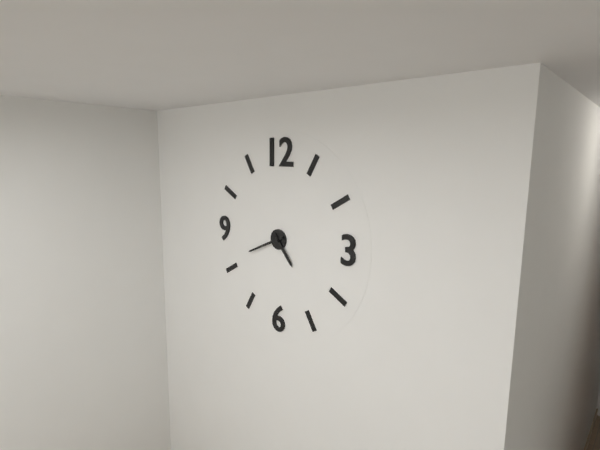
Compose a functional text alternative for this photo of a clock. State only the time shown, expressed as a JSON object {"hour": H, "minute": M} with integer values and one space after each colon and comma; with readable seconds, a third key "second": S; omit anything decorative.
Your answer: {"hour": 4, "minute": 41}
